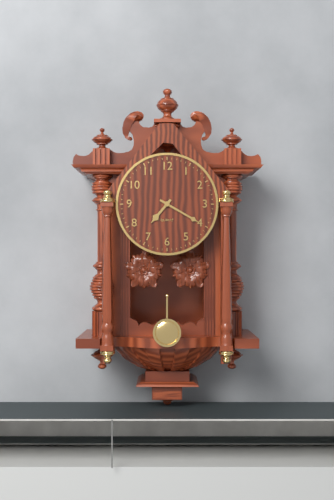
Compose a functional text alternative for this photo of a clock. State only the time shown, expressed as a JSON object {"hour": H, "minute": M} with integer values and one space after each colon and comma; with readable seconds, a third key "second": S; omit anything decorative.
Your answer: {"hour": 7, "minute": 20}
